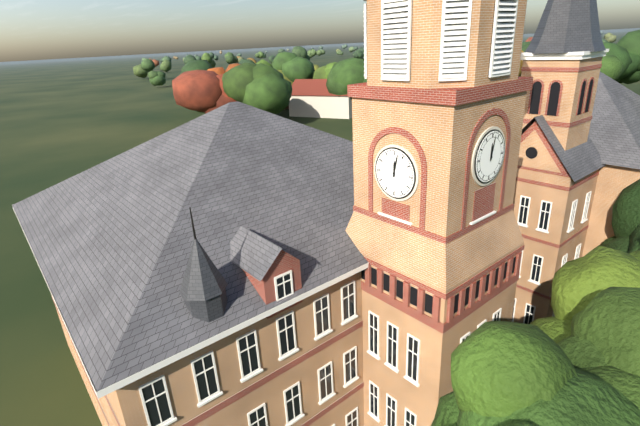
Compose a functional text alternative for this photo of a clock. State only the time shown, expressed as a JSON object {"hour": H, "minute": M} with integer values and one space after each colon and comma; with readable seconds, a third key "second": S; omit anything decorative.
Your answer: {"hour": 12, "minute": 2}
